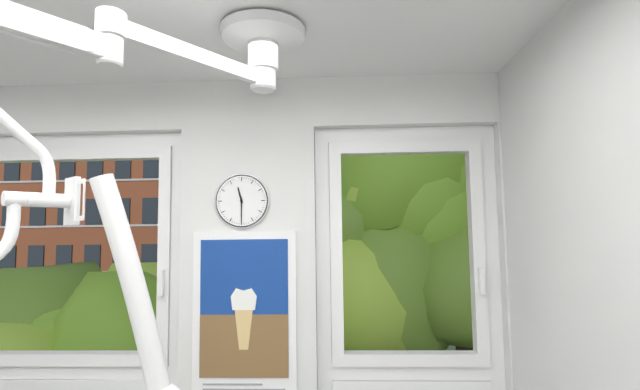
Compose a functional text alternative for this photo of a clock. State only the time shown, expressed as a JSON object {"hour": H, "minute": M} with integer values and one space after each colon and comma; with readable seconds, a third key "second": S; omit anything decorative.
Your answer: {"hour": 11, "minute": 30}
